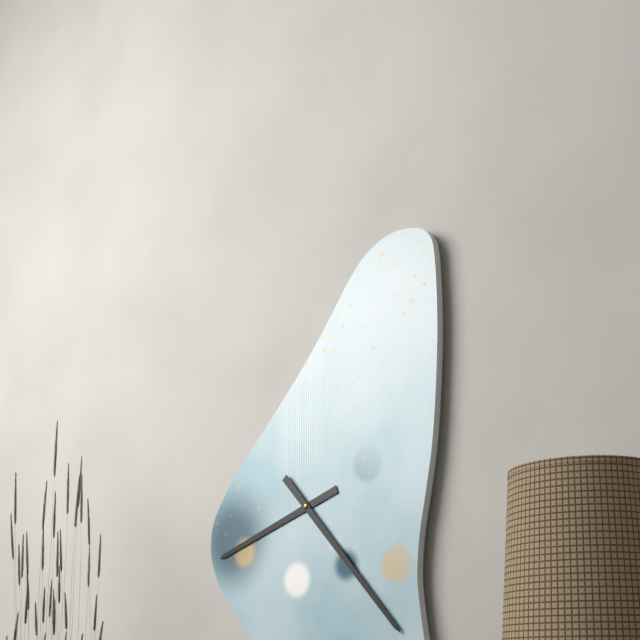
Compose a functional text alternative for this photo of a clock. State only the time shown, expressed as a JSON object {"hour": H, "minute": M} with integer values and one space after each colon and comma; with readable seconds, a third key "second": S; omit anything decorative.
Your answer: {"hour": 8, "minute": 23}
